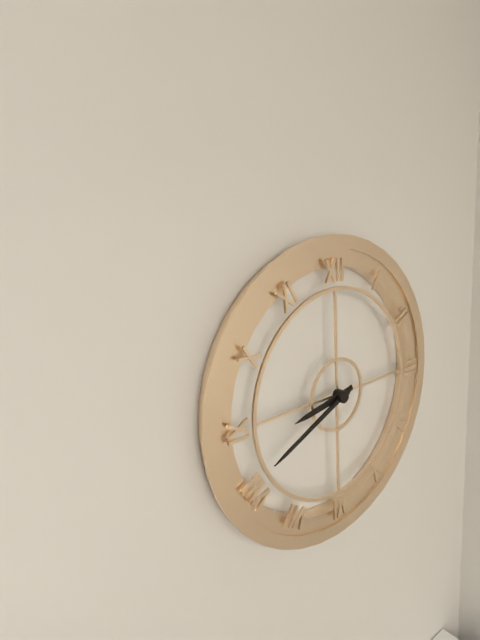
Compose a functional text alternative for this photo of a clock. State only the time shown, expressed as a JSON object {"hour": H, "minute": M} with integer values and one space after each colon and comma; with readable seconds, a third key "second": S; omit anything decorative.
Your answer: {"hour": 8, "minute": 41}
